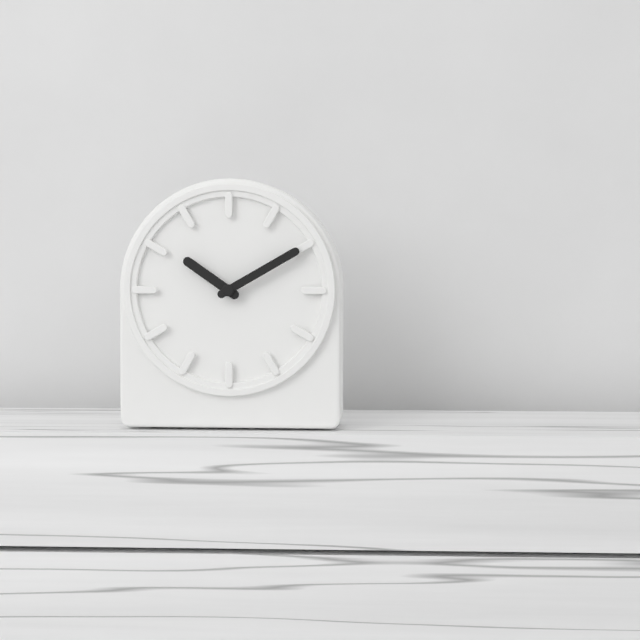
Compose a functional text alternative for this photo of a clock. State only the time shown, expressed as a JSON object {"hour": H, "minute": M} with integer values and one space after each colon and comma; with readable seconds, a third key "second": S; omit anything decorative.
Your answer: {"hour": 10, "minute": 10}
